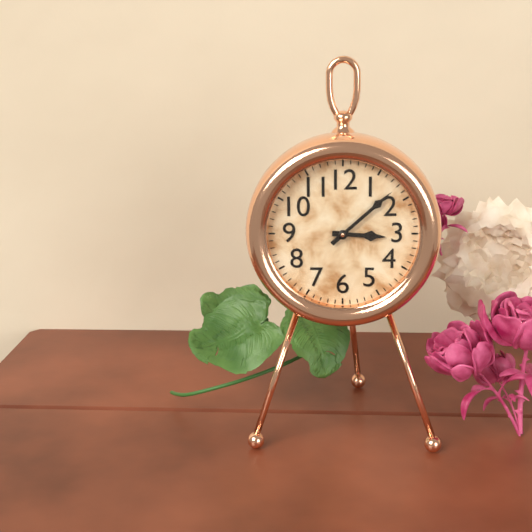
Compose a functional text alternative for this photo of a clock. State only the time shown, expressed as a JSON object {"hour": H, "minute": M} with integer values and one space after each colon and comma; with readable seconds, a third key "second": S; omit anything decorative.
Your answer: {"hour": 3, "minute": 8}
